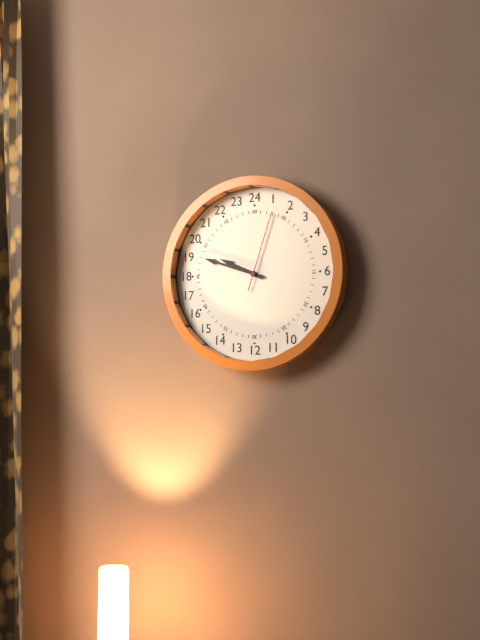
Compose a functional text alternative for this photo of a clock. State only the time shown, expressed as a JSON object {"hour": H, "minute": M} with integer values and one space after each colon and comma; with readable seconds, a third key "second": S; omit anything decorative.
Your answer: {"hour": 9, "minute": 48, "second": 3}
